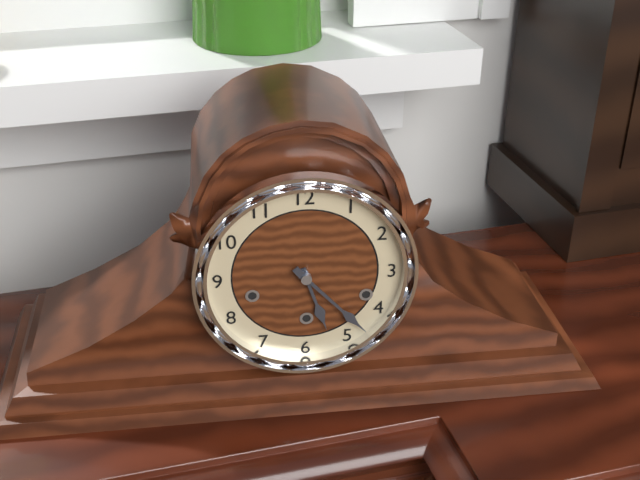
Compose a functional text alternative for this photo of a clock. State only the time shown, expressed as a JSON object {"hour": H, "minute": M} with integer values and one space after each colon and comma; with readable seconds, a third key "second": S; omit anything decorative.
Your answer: {"hour": 5, "minute": 23}
